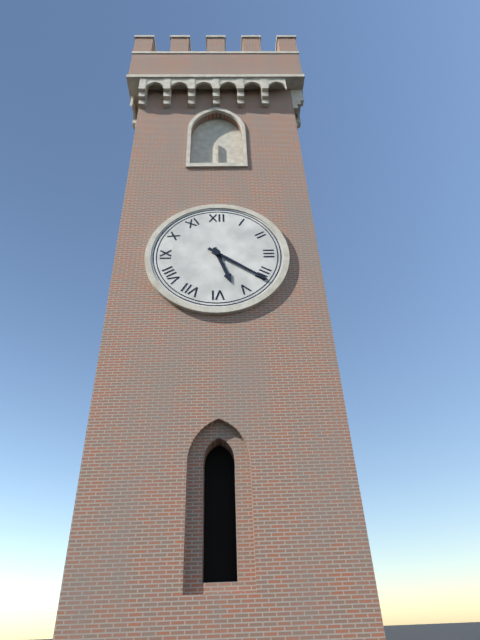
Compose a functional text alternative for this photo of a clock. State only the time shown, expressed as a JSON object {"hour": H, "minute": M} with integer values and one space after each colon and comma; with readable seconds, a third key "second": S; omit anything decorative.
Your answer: {"hour": 5, "minute": 21}
